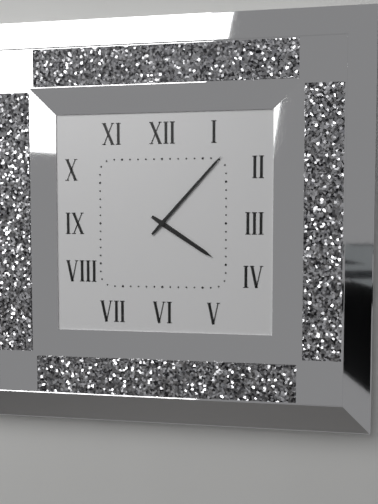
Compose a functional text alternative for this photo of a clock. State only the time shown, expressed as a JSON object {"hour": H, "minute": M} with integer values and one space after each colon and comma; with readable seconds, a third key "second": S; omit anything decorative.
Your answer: {"hour": 4, "minute": 7}
